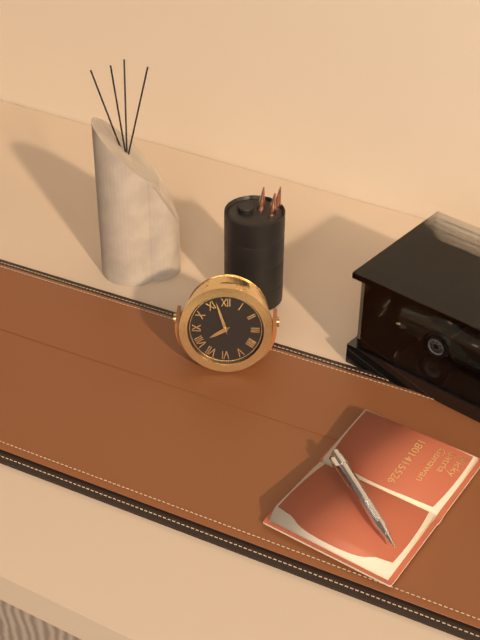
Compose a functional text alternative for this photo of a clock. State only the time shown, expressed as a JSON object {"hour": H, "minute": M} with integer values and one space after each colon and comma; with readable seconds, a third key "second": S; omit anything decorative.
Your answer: {"hour": 7, "minute": 57}
